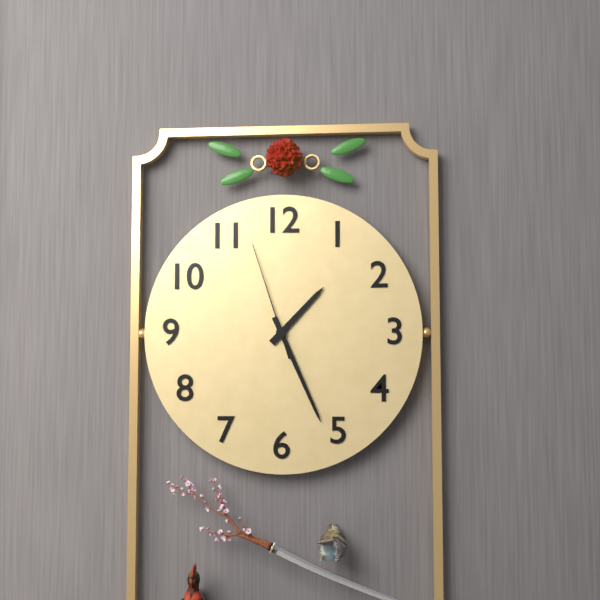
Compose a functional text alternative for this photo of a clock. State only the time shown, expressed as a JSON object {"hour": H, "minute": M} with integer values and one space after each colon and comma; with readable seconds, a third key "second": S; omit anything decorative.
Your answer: {"hour": 1, "minute": 26, "second": 57}
